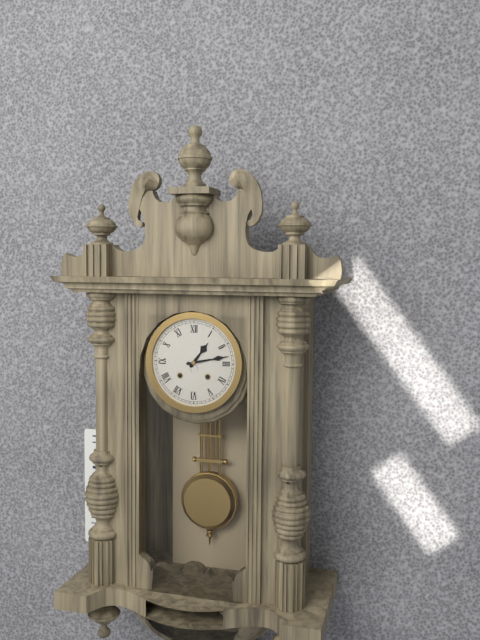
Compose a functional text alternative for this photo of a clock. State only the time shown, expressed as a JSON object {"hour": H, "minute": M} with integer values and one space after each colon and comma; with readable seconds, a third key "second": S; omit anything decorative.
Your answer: {"hour": 1, "minute": 13}
